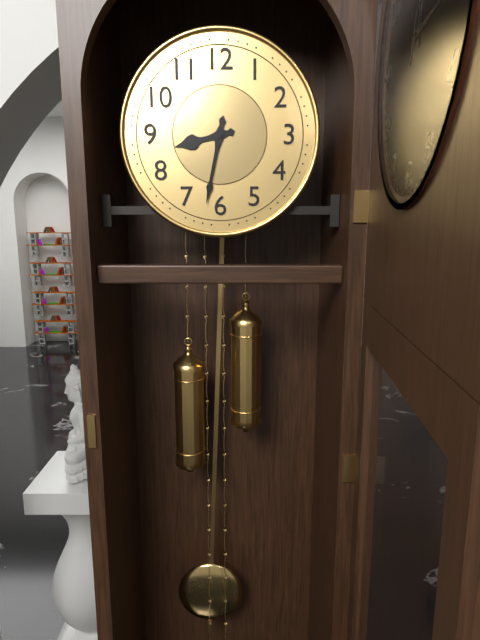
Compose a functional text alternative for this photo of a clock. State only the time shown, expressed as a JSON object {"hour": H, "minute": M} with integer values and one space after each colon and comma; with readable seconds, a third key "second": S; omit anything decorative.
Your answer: {"hour": 8, "minute": 32}
